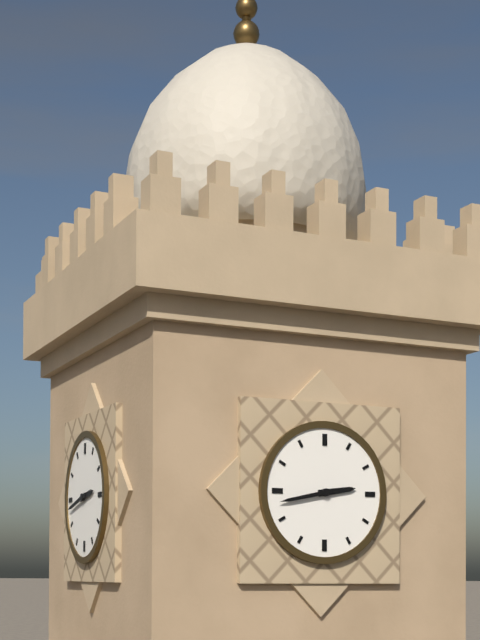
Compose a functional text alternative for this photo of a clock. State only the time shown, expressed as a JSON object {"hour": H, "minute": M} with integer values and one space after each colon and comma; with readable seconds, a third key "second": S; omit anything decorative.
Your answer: {"hour": 2, "minute": 43}
